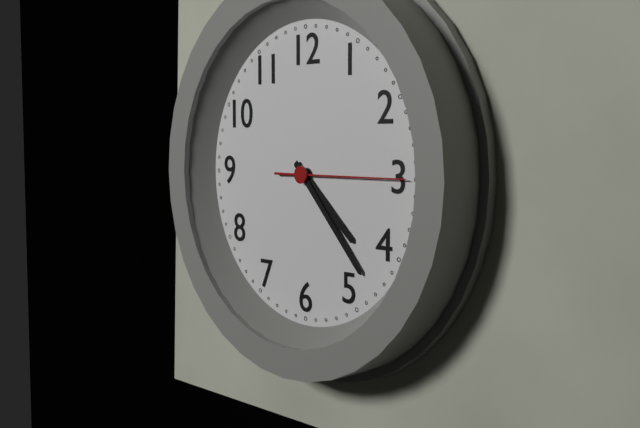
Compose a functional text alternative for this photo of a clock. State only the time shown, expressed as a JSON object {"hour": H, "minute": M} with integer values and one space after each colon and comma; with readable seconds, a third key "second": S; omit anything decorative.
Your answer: {"hour": 4, "minute": 23, "second": 15}
